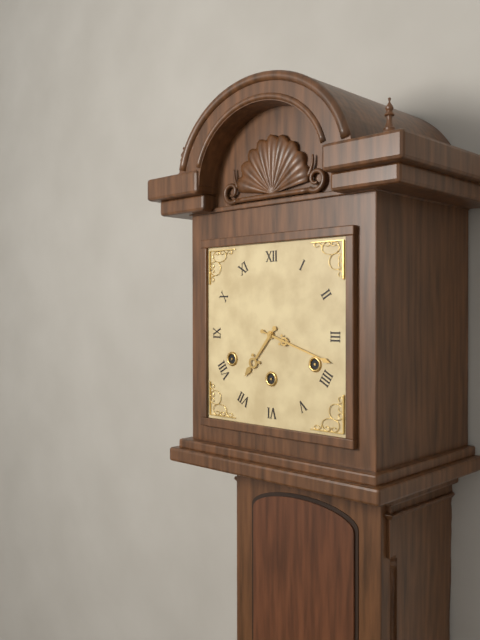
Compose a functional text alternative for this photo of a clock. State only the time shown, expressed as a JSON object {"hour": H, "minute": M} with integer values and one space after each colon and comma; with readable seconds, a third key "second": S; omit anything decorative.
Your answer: {"hour": 7, "minute": 18}
